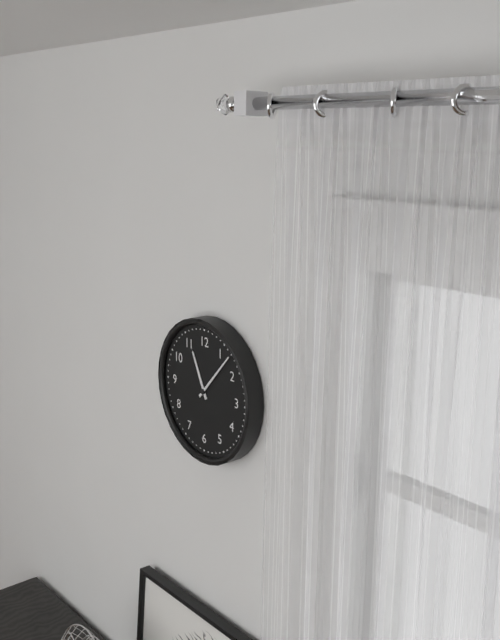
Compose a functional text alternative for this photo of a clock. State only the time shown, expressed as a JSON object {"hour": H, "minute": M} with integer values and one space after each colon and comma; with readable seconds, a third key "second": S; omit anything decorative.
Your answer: {"hour": 11, "minute": 7}
